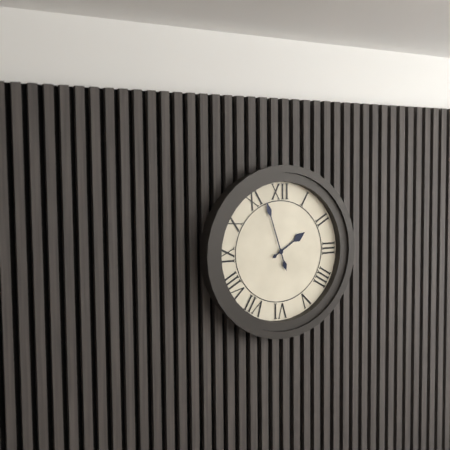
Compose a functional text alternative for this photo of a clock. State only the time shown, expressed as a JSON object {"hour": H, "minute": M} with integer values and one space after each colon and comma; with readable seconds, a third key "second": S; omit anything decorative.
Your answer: {"hour": 1, "minute": 57}
